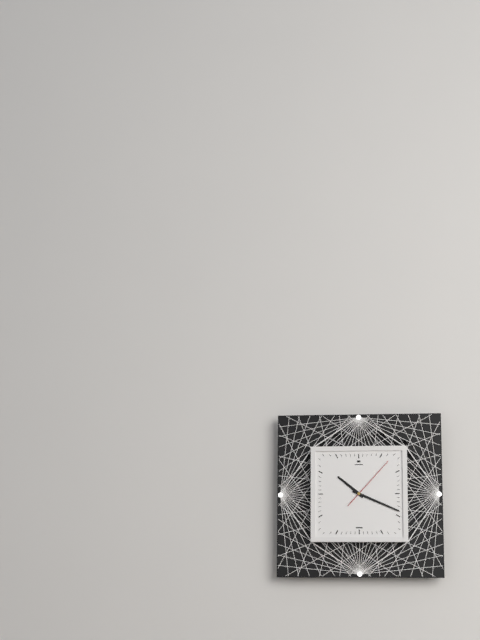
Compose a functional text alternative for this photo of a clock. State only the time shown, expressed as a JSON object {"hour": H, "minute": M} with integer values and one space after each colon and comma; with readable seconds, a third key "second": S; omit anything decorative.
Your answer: {"hour": 10, "minute": 19, "second": 7}
